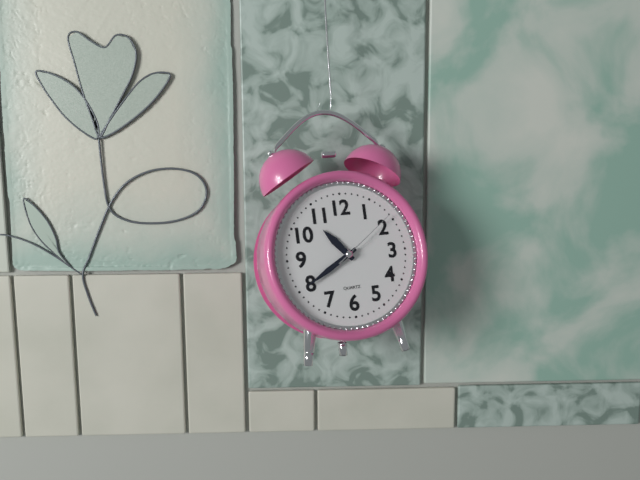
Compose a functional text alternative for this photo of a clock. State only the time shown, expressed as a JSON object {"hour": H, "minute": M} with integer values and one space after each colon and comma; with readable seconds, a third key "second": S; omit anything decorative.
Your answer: {"hour": 10, "minute": 40, "second": 9}
